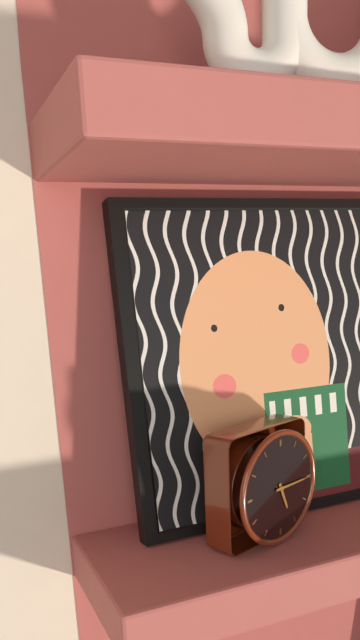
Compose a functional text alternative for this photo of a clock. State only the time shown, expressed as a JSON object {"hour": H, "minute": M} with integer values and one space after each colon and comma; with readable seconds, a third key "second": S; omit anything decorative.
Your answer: {"hour": 5, "minute": 15}
